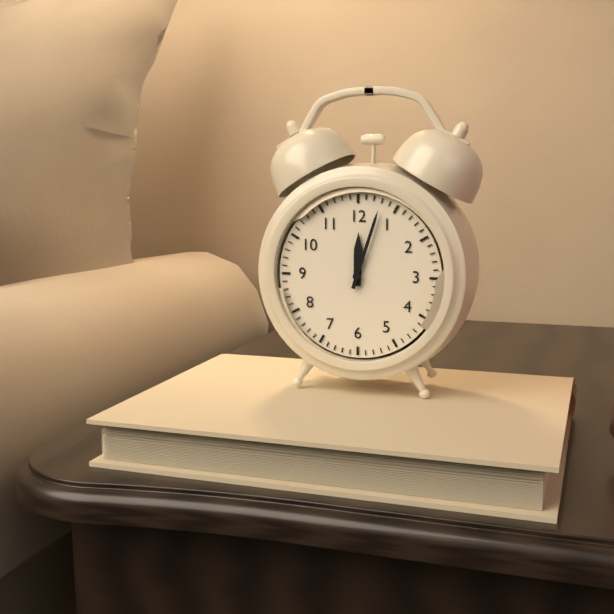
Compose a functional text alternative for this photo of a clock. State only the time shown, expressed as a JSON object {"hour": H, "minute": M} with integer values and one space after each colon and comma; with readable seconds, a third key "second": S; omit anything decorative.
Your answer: {"hour": 12, "minute": 3}
